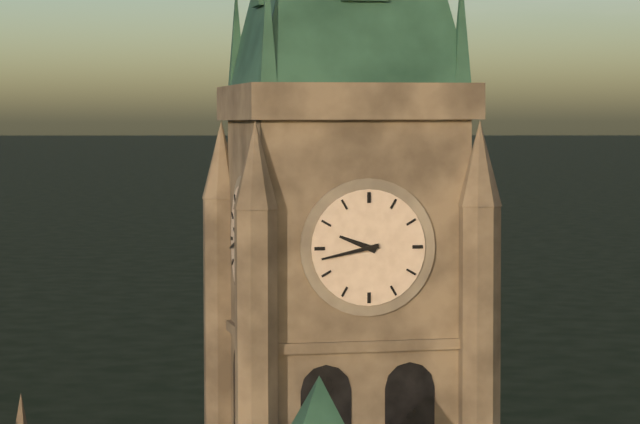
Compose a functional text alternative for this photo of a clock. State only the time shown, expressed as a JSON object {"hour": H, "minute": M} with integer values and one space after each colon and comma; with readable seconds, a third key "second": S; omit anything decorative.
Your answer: {"hour": 9, "minute": 43}
